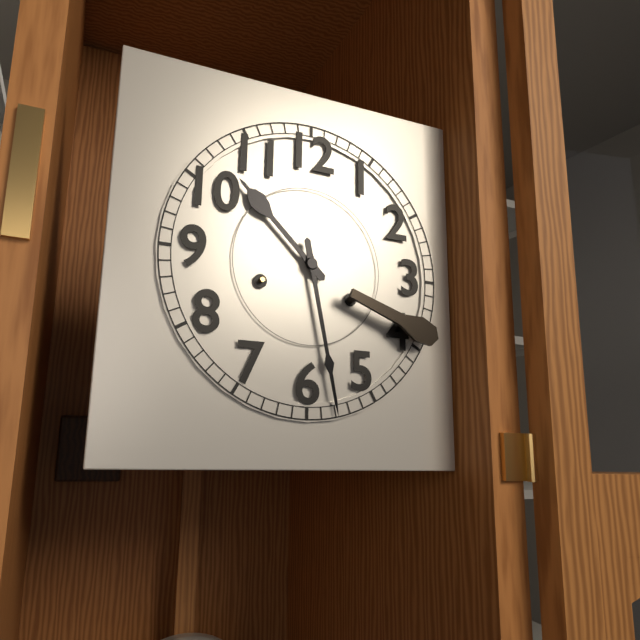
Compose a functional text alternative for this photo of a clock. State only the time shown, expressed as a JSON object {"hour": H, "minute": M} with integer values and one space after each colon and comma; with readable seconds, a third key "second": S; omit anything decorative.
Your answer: {"hour": 10, "minute": 28}
